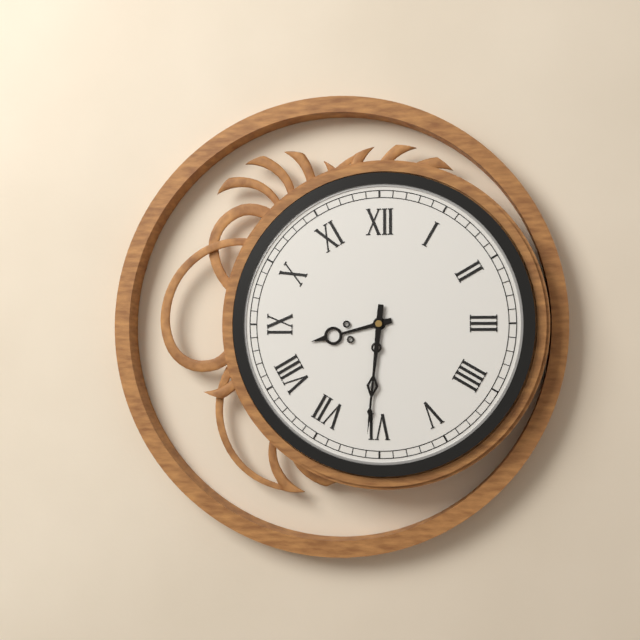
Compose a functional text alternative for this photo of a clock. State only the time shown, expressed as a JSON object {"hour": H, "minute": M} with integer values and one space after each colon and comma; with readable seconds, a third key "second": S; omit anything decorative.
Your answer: {"hour": 8, "minute": 31}
